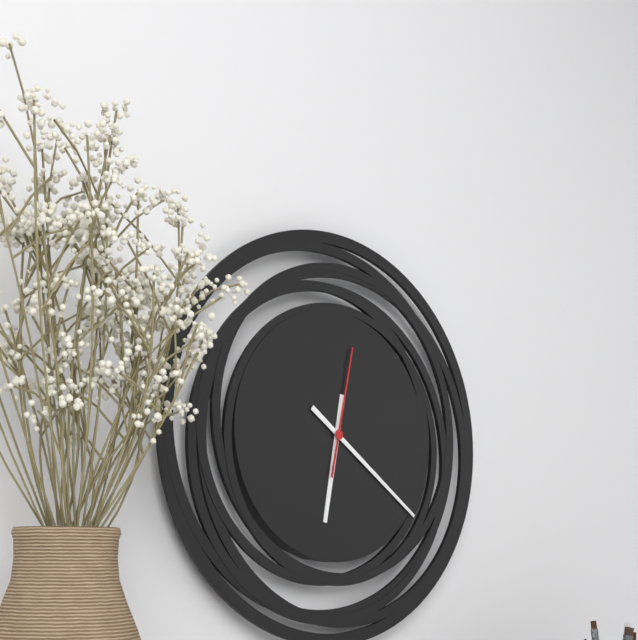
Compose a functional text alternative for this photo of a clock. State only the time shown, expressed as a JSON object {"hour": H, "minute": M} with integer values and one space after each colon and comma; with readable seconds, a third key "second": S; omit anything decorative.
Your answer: {"hour": 6, "minute": 21, "second": 2}
